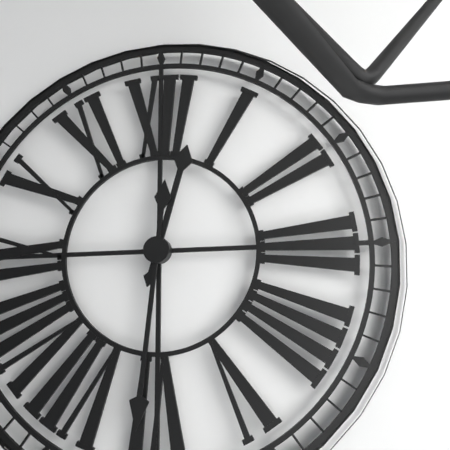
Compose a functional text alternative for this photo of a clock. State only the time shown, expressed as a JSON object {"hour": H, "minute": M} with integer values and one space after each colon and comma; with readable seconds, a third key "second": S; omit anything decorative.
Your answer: {"hour": 12, "minute": 31}
